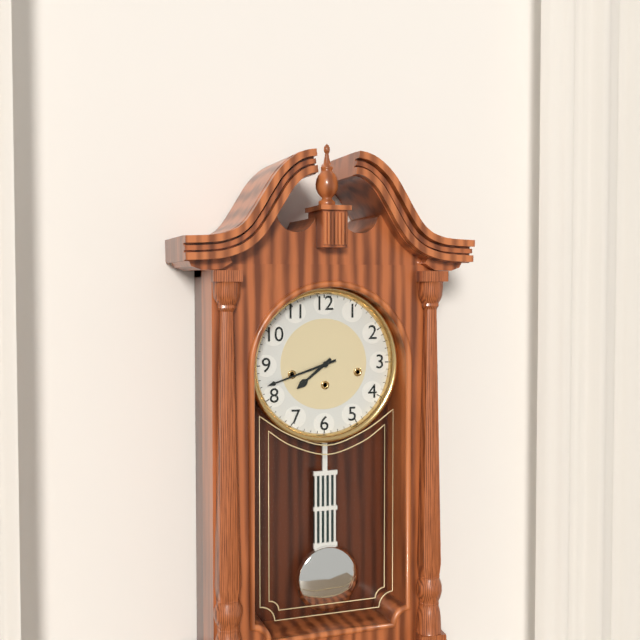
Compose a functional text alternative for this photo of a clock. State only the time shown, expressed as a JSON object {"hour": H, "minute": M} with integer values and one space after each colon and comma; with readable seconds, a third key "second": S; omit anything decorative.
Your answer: {"hour": 7, "minute": 42}
